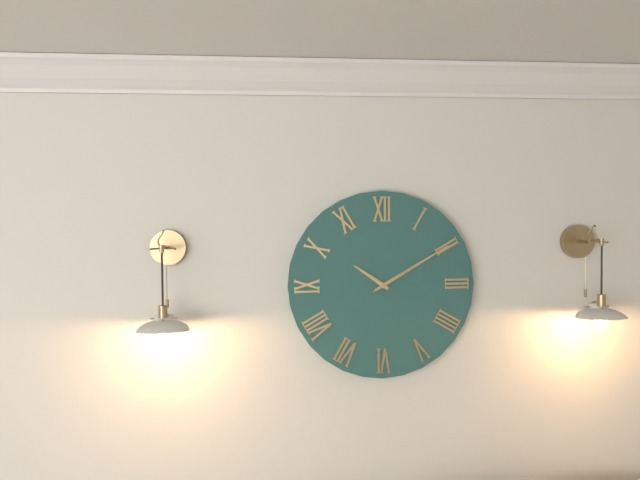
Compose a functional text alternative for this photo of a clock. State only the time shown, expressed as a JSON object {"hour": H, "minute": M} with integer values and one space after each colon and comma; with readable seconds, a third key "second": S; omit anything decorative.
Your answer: {"hour": 10, "minute": 10, "second": 10}
